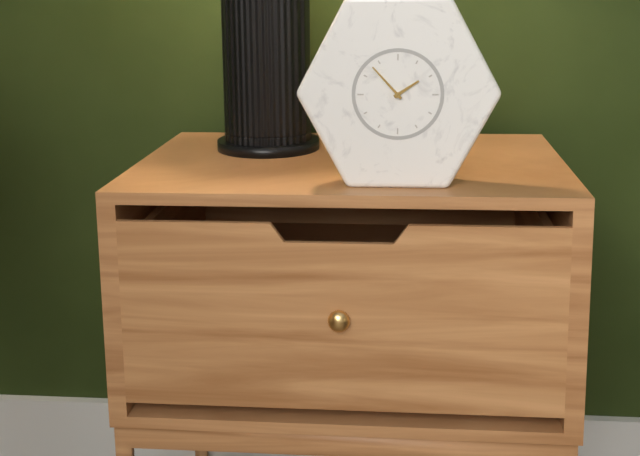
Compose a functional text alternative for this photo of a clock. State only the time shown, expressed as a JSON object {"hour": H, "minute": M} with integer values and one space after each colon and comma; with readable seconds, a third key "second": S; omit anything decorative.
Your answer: {"hour": 1, "minute": 53}
